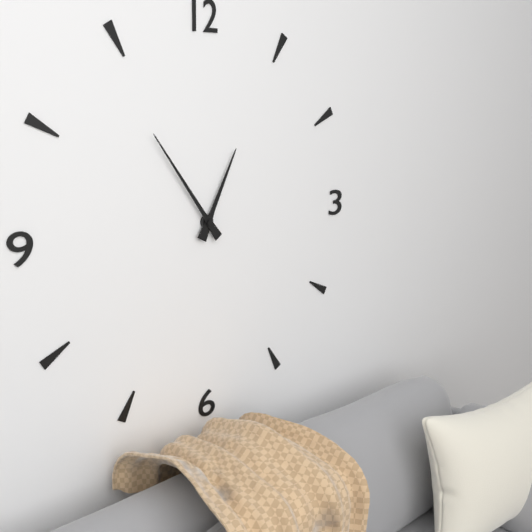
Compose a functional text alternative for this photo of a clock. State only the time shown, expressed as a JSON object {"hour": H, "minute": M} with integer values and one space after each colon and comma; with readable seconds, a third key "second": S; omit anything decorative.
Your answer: {"hour": 12, "minute": 54}
